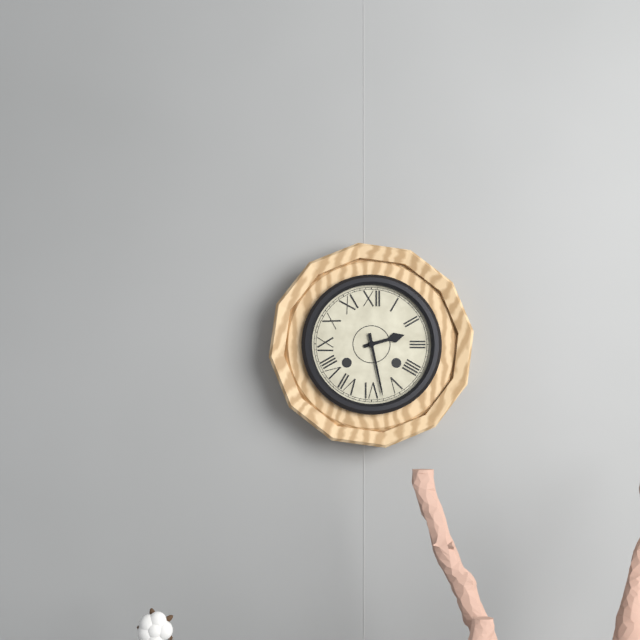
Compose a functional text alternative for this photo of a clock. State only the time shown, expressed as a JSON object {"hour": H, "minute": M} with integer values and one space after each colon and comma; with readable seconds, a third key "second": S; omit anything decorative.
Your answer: {"hour": 2, "minute": 28}
